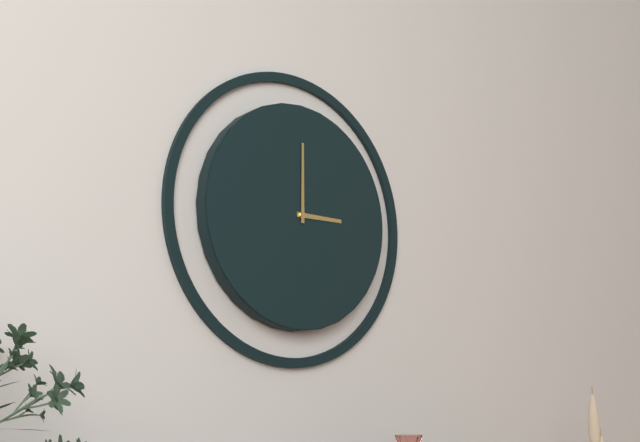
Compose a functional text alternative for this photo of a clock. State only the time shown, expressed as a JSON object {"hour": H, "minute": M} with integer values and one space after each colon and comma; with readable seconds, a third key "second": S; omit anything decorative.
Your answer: {"hour": 3, "minute": 0}
